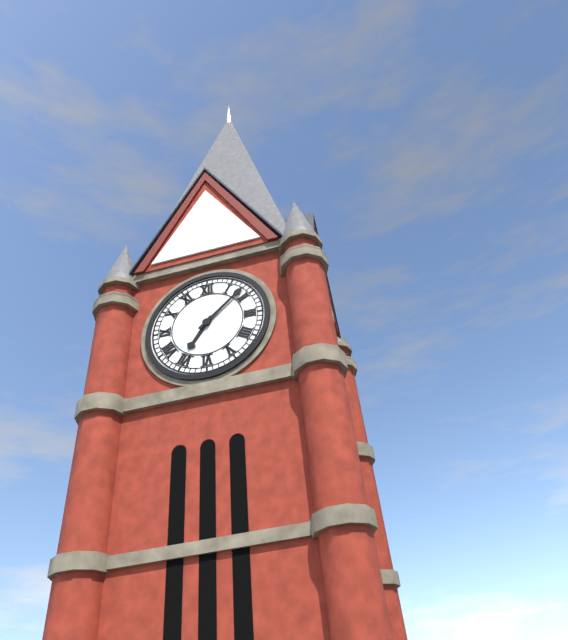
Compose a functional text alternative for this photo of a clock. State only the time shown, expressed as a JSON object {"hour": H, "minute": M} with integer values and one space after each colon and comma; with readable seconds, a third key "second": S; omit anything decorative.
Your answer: {"hour": 7, "minute": 8}
